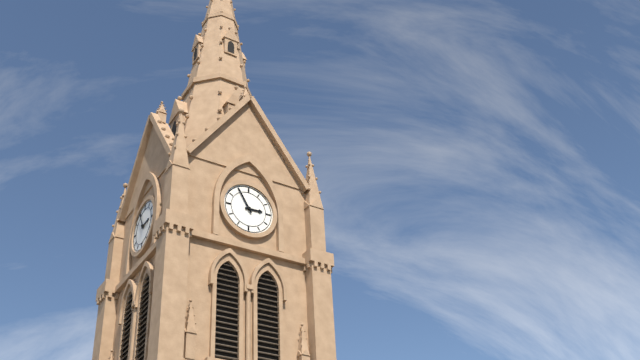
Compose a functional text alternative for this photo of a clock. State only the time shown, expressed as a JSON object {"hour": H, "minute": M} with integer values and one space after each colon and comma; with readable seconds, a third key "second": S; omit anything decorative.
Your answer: {"hour": 2, "minute": 55}
